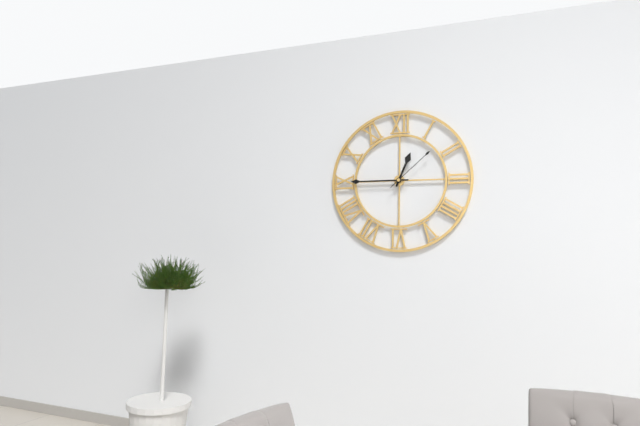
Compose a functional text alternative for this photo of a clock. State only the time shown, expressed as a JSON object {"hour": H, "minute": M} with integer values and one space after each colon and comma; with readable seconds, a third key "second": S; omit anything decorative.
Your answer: {"hour": 12, "minute": 45, "second": 8}
